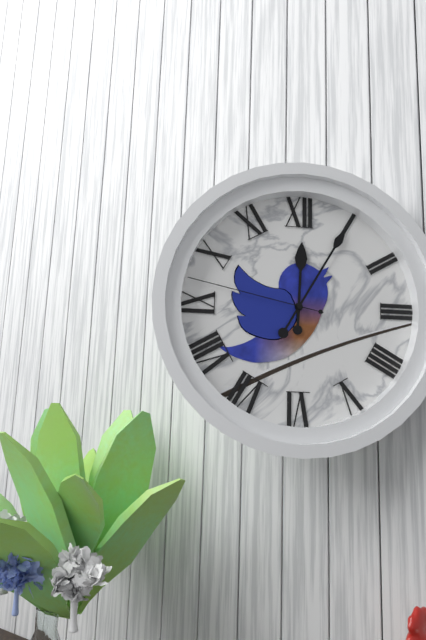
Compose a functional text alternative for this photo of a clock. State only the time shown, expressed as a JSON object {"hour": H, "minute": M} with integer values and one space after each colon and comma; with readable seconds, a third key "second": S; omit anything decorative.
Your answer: {"hour": 12, "minute": 5, "second": 47}
